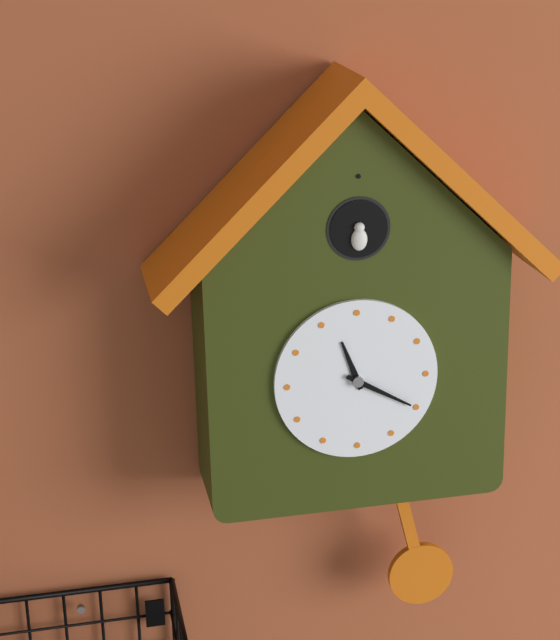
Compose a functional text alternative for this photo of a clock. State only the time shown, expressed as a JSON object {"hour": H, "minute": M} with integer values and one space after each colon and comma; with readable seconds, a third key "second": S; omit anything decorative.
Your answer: {"hour": 11, "minute": 20}
